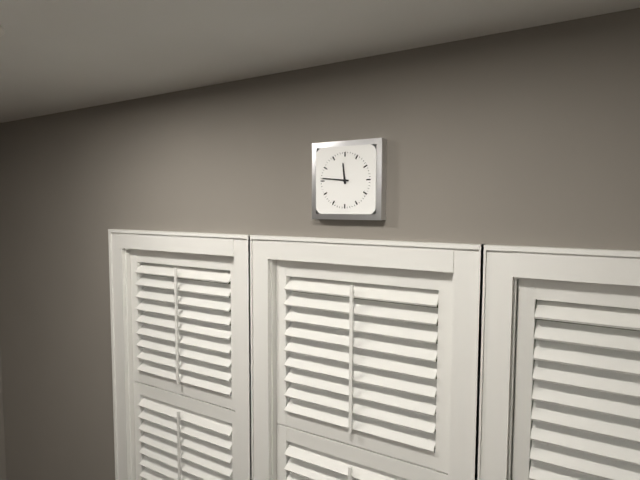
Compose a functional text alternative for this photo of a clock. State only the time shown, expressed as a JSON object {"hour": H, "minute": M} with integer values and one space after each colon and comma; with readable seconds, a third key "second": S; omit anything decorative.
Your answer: {"hour": 11, "minute": 46}
